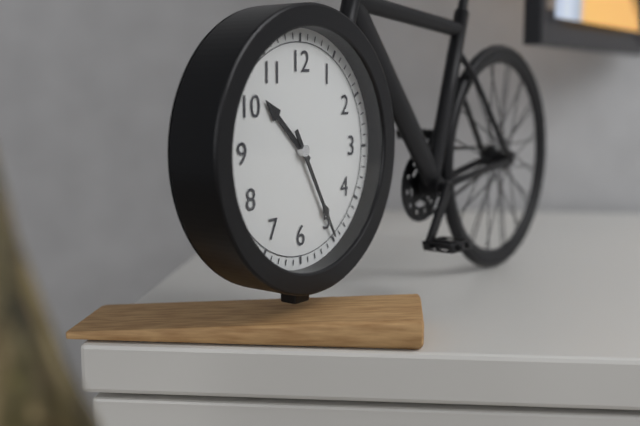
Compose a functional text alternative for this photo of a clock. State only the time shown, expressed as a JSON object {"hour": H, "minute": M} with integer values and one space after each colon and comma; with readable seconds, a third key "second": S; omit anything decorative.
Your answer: {"hour": 10, "minute": 25}
